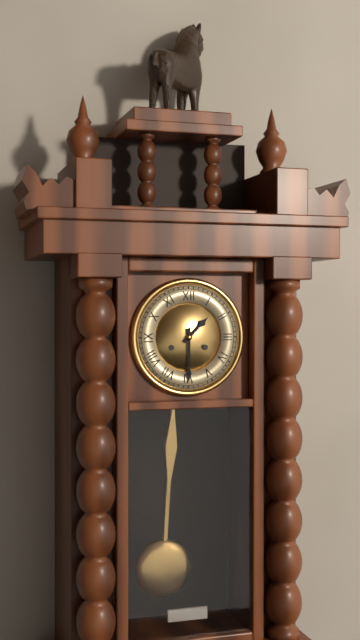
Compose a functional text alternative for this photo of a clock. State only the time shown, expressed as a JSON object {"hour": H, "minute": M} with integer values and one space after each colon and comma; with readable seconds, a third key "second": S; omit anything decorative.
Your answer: {"hour": 1, "minute": 30}
